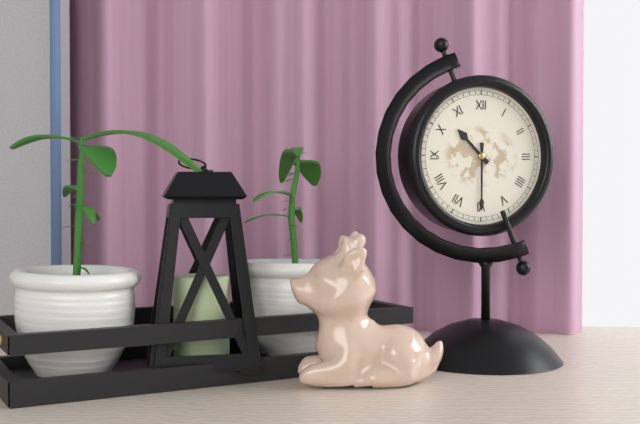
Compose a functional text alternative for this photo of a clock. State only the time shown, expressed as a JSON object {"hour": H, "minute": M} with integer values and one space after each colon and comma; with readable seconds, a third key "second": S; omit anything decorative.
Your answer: {"hour": 10, "minute": 30}
